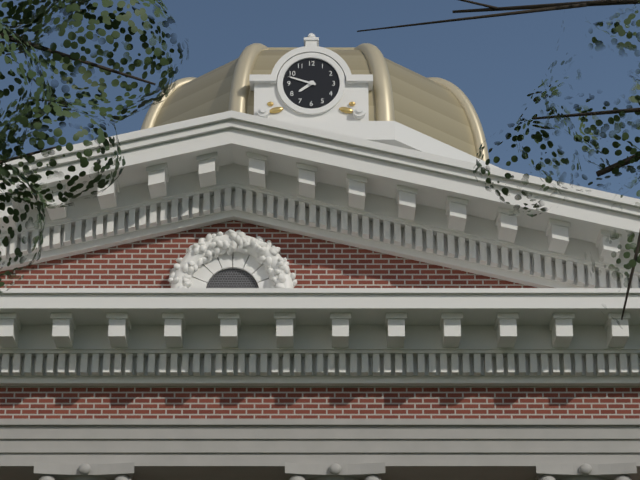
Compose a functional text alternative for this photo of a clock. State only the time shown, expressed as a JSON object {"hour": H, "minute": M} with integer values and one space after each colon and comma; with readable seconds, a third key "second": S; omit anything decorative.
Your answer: {"hour": 7, "minute": 48}
